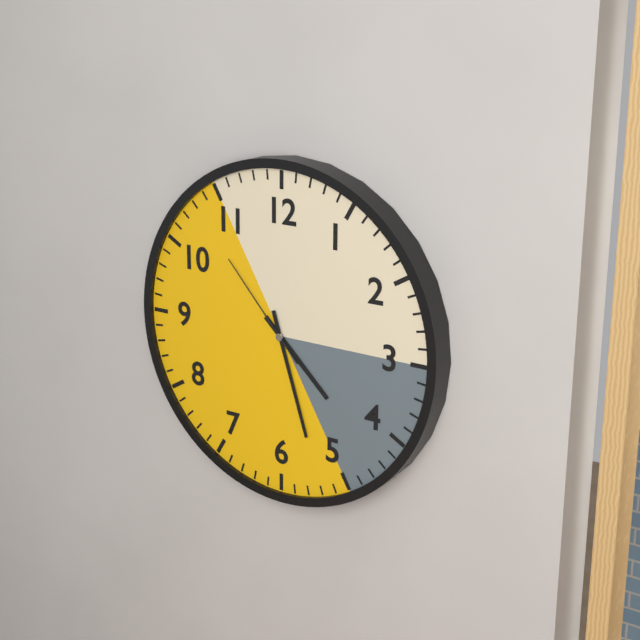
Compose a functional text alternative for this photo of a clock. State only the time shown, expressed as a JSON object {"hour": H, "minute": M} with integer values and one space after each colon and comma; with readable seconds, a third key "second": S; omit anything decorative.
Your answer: {"hour": 4, "minute": 27, "second": 53}
